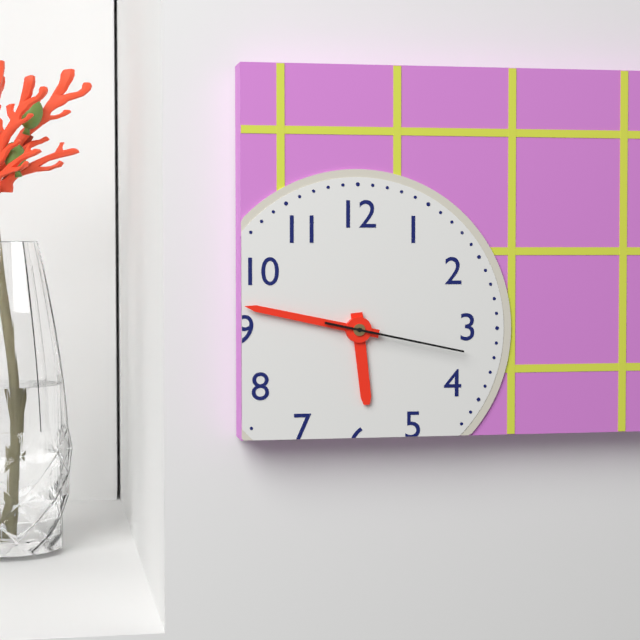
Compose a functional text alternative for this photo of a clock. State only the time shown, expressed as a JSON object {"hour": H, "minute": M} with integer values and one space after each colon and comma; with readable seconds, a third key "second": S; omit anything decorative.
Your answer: {"hour": 5, "minute": 47, "second": 17}
